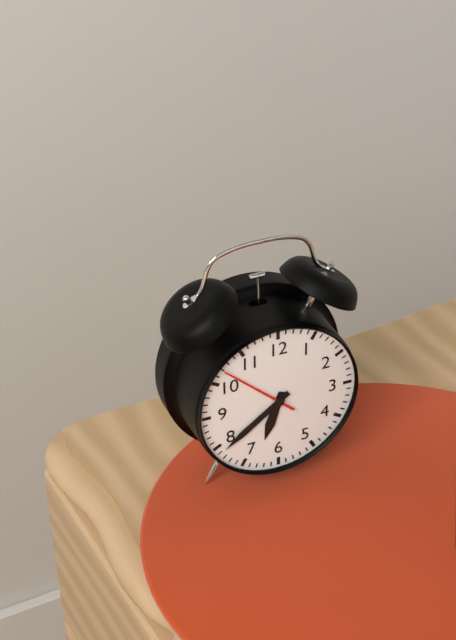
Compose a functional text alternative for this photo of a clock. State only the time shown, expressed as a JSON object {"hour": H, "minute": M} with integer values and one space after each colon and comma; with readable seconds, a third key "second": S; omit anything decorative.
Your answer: {"hour": 6, "minute": 39, "second": 52}
